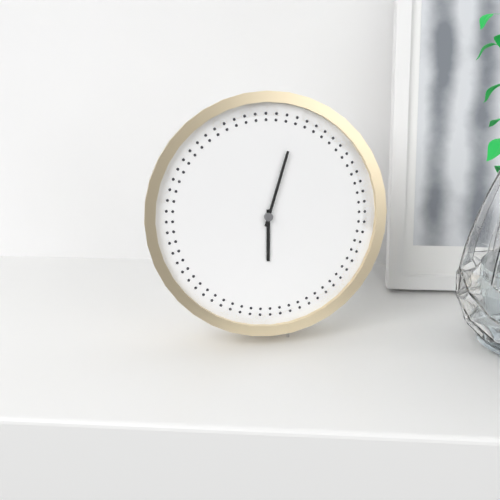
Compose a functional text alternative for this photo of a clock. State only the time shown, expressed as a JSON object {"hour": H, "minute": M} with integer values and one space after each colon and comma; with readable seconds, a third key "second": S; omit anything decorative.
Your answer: {"hour": 6, "minute": 3}
